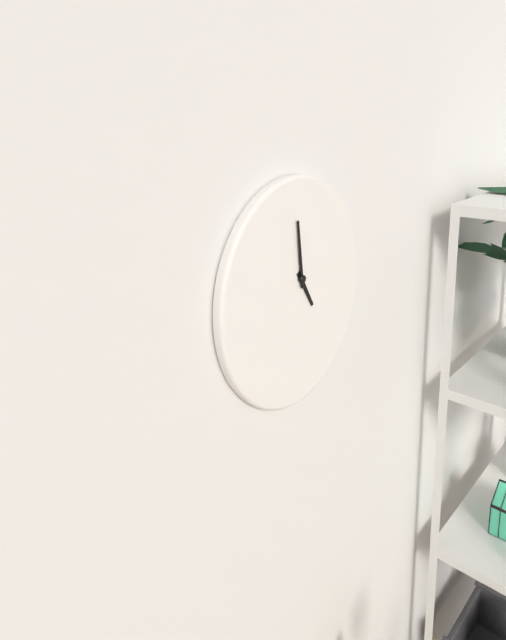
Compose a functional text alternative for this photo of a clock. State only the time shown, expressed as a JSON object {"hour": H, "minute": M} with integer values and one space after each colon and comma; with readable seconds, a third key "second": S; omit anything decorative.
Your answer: {"hour": 4, "minute": 59}
